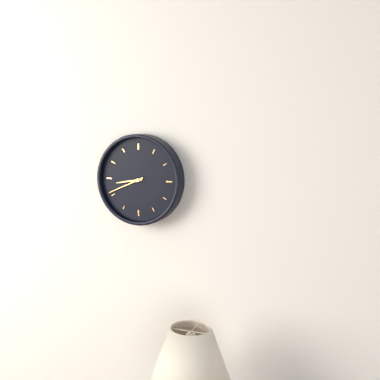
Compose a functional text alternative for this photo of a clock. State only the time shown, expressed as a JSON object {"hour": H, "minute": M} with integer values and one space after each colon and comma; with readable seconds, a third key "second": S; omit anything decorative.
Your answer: {"hour": 8, "minute": 41}
